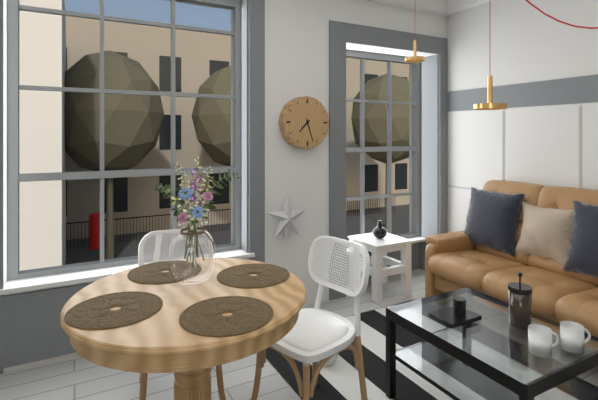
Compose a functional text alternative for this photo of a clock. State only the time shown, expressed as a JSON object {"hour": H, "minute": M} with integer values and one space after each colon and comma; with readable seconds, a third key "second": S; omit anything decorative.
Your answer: {"hour": 7, "minute": 27}
